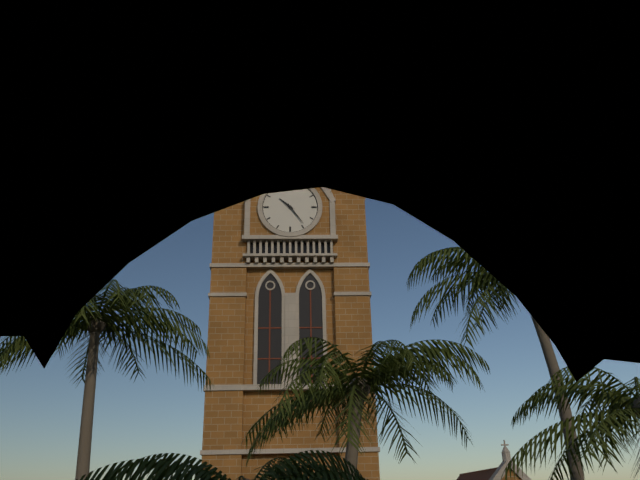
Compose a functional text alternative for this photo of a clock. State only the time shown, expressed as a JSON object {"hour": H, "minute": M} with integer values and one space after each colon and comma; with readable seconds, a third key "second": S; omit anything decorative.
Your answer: {"hour": 10, "minute": 24}
